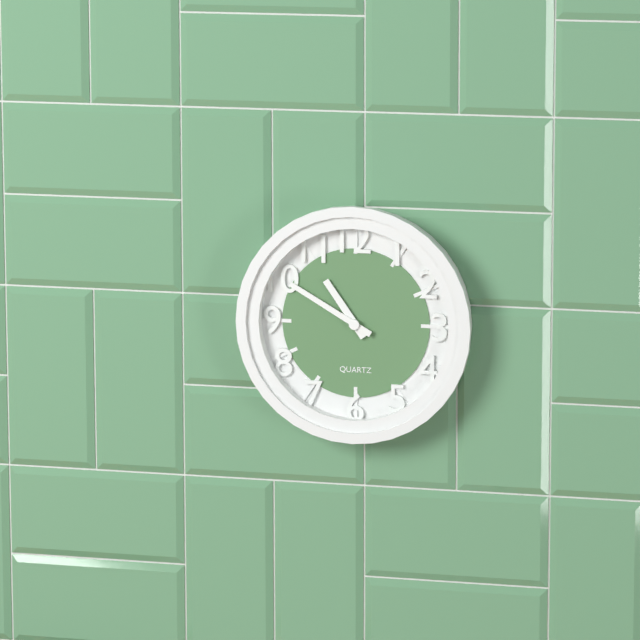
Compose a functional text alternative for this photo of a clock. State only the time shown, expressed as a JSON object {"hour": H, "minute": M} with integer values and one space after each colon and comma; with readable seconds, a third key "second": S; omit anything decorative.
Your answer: {"hour": 10, "minute": 50}
